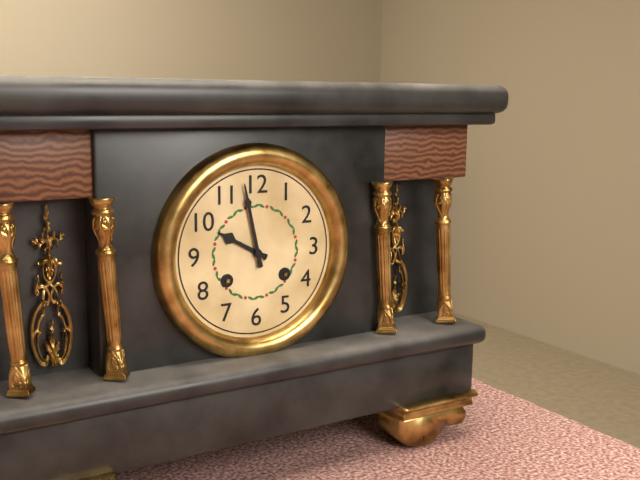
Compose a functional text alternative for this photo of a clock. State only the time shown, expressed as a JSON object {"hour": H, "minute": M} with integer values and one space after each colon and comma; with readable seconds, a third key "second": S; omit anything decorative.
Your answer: {"hour": 9, "minute": 58}
